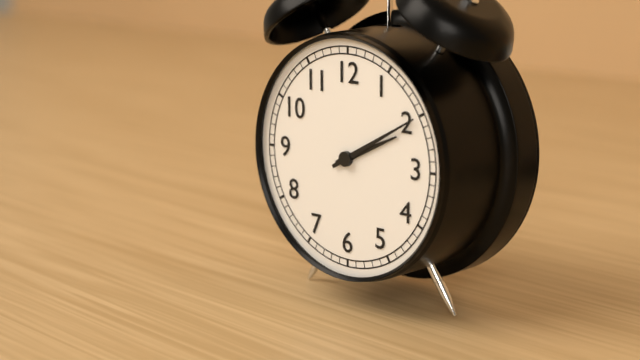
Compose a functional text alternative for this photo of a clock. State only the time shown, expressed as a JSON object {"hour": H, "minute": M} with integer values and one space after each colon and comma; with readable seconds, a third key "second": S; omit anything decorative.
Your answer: {"hour": 2, "minute": 10}
